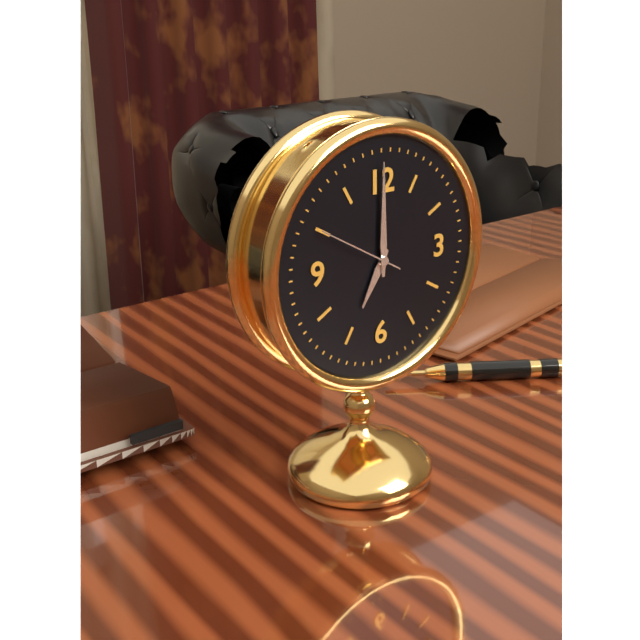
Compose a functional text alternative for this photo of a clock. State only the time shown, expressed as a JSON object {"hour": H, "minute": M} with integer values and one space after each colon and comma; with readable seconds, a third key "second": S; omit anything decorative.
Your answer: {"hour": 7, "minute": 0, "second": 50}
